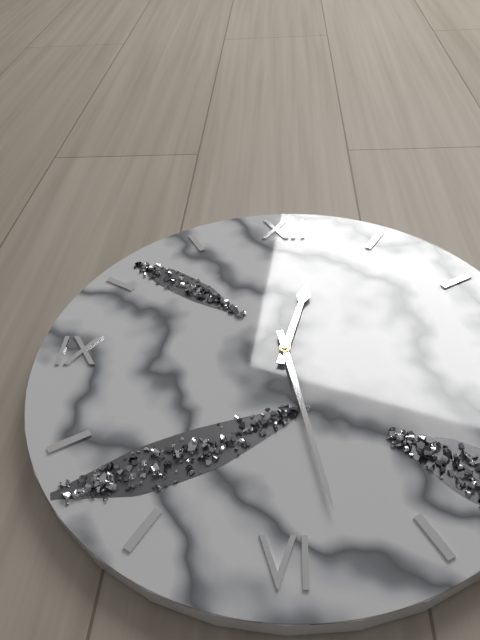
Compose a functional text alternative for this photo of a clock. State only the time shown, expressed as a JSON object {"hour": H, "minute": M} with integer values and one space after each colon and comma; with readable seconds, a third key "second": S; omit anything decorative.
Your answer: {"hour": 12, "minute": 28}
